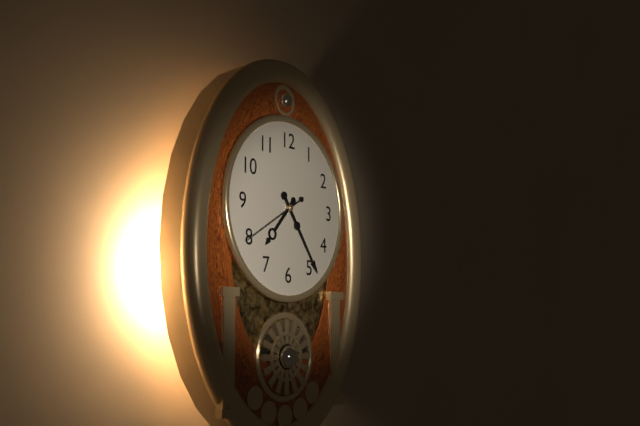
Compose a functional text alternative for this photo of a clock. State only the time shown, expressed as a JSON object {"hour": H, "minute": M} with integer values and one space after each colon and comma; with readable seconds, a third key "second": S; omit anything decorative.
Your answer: {"hour": 7, "minute": 24, "second": 40}
